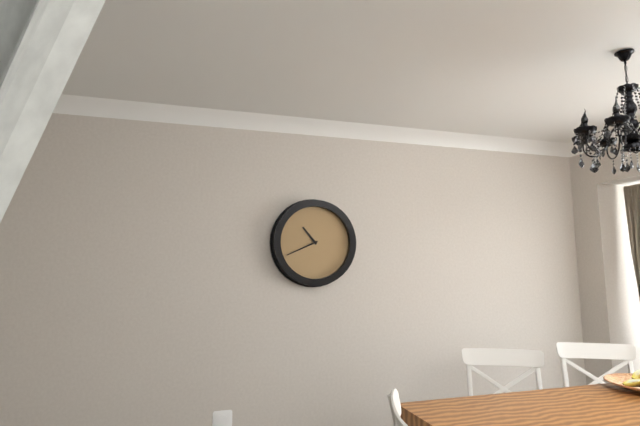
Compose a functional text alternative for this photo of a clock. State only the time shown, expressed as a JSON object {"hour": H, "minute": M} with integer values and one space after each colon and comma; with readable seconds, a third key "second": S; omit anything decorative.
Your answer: {"hour": 10, "minute": 41}
